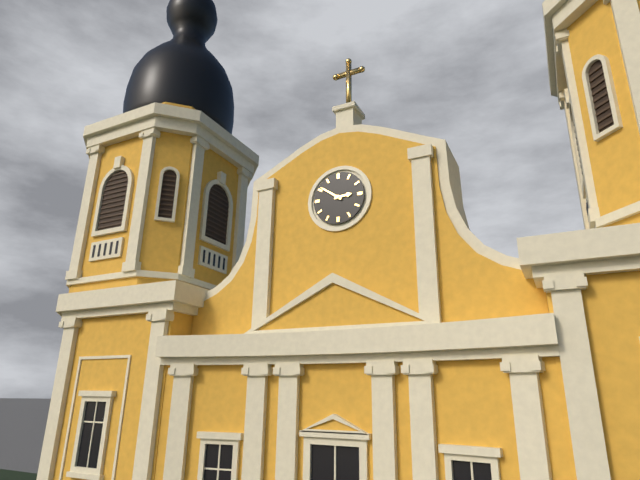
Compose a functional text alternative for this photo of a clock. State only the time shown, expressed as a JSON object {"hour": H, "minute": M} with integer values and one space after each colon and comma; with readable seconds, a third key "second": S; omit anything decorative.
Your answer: {"hour": 2, "minute": 51}
